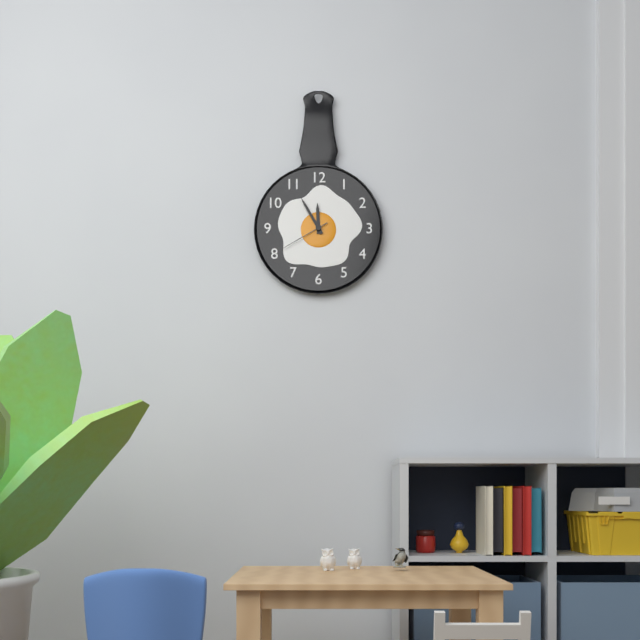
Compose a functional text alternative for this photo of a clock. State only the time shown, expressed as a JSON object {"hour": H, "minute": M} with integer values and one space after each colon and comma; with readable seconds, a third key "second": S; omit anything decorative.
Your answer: {"hour": 11, "minute": 55, "second": 40}
